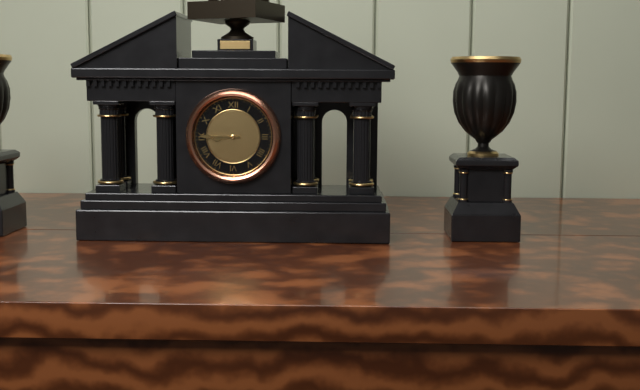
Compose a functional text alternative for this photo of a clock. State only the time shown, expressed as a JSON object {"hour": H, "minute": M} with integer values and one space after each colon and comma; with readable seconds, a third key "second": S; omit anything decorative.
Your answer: {"hour": 8, "minute": 45}
